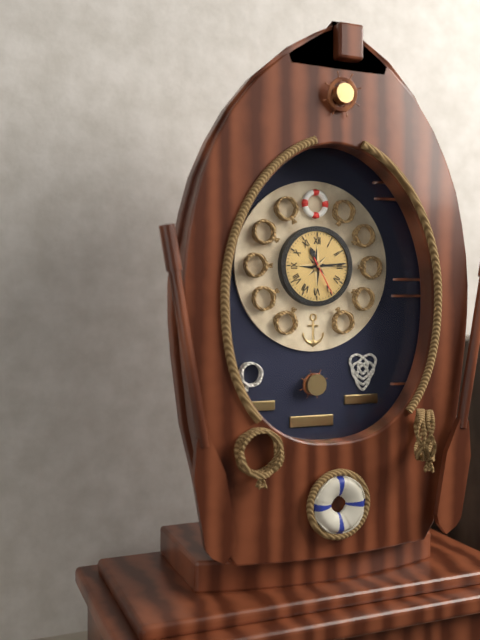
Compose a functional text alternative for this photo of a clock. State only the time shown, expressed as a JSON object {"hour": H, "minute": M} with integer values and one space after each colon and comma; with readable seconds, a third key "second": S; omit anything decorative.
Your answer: {"hour": 11, "minute": 14}
